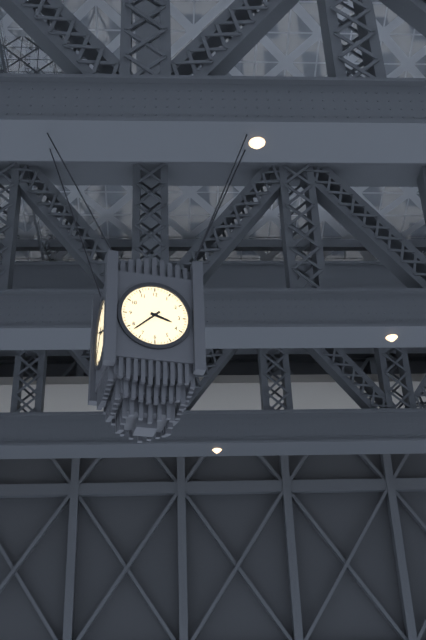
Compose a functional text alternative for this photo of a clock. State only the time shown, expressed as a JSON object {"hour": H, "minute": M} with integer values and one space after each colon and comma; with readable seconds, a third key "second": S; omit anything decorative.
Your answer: {"hour": 3, "minute": 38}
